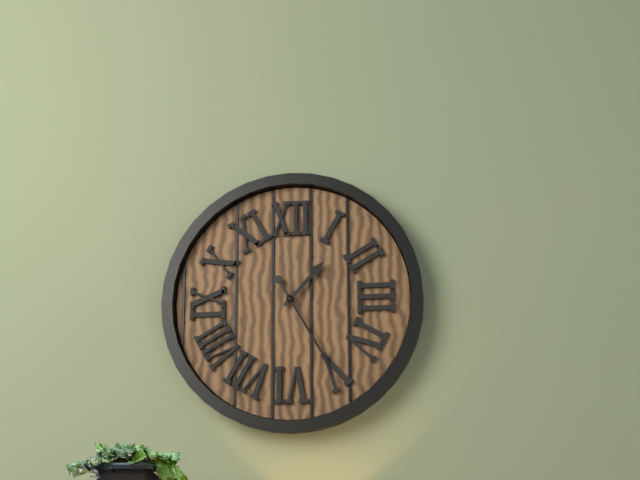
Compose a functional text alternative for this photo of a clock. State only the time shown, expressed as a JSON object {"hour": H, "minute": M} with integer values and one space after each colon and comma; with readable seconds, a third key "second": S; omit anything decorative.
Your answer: {"hour": 1, "minute": 25}
